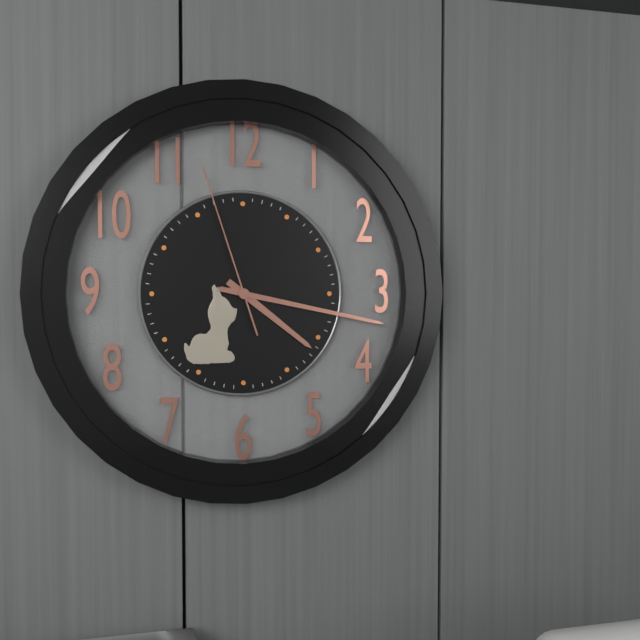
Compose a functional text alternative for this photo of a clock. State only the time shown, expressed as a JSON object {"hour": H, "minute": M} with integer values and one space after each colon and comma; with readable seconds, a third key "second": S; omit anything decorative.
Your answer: {"hour": 4, "minute": 17, "second": 57}
